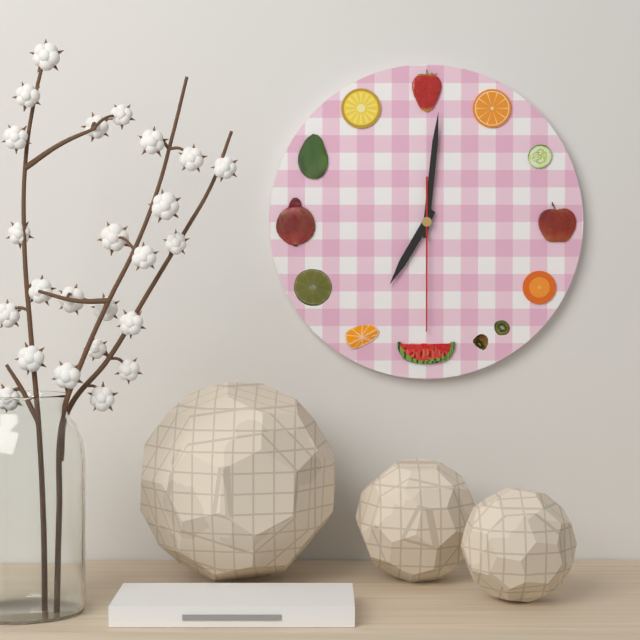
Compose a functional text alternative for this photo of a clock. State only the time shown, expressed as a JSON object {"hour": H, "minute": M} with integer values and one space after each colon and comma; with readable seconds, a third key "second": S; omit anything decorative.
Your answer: {"hour": 7, "minute": 1, "second": 30}
